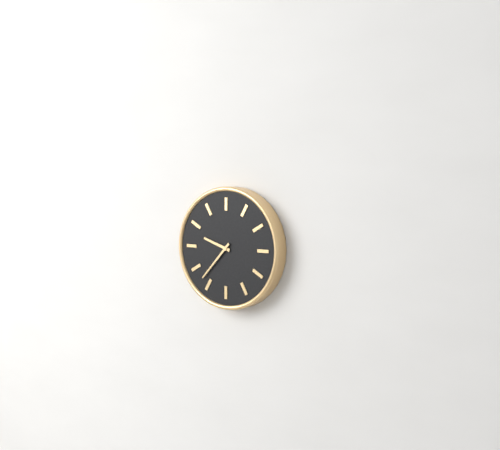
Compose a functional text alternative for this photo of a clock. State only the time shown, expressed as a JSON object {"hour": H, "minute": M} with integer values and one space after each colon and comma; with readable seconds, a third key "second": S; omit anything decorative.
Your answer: {"hour": 9, "minute": 37}
